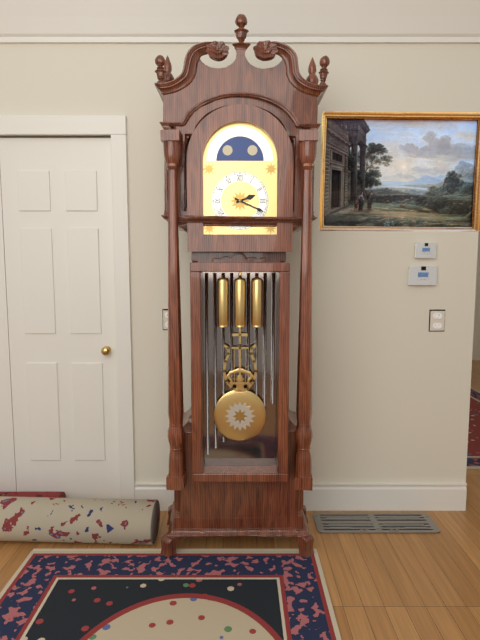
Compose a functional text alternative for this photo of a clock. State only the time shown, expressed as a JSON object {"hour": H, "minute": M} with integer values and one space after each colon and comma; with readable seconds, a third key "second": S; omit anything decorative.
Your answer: {"hour": 2, "minute": 19}
